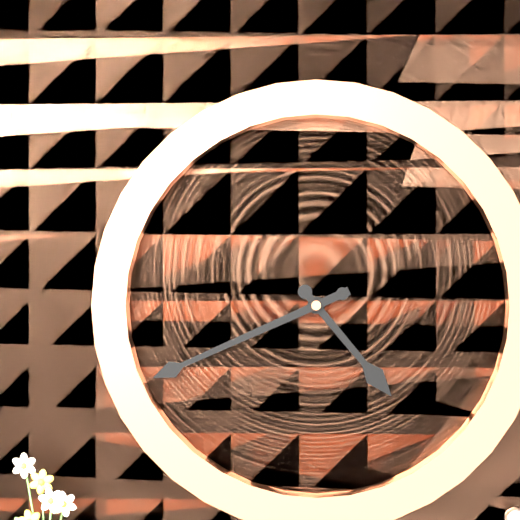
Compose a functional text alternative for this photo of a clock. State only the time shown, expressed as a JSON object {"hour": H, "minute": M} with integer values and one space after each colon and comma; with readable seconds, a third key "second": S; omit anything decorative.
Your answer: {"hour": 4, "minute": 41}
